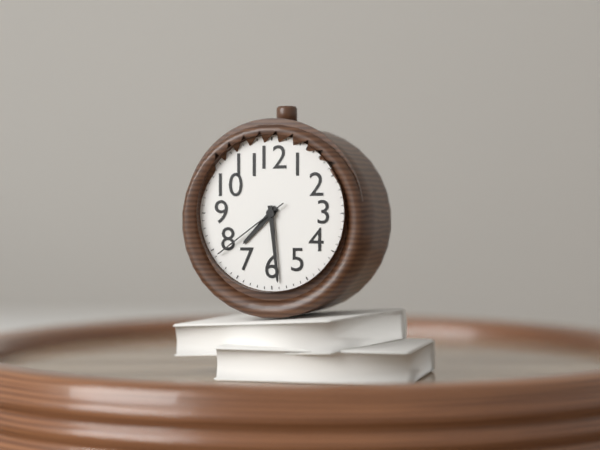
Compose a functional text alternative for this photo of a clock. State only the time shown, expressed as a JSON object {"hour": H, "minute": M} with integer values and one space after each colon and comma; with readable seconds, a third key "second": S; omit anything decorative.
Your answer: {"hour": 7, "minute": 29, "second": 39}
